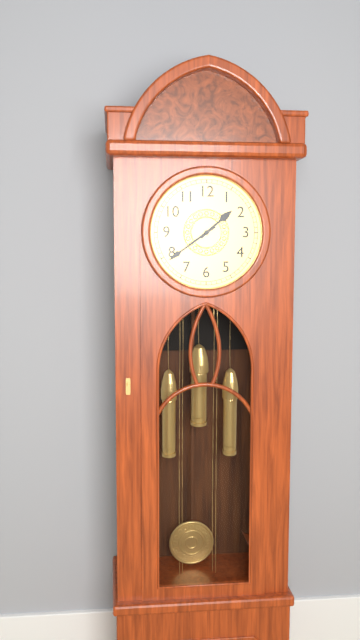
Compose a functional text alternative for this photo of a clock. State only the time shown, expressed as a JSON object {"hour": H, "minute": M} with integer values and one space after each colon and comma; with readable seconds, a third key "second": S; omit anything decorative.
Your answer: {"hour": 1, "minute": 39}
